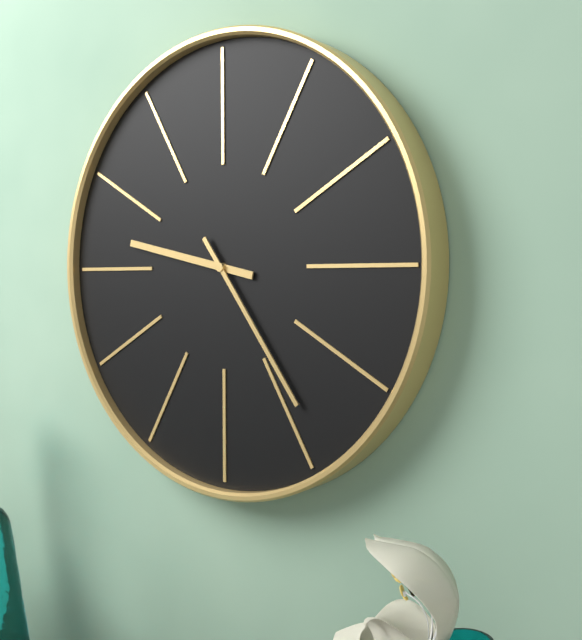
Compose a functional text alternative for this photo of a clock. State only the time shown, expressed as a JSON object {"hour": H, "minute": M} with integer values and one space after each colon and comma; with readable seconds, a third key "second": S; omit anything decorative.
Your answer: {"hour": 9, "minute": 24}
